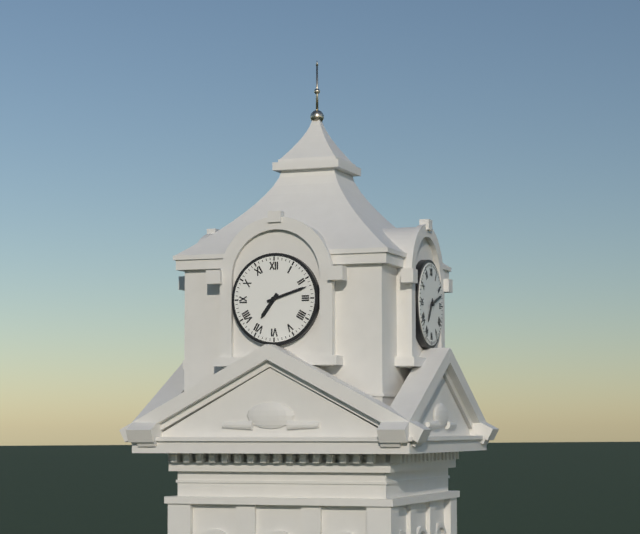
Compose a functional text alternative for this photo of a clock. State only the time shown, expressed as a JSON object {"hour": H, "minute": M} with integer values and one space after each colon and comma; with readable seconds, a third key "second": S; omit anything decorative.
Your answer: {"hour": 7, "minute": 12}
